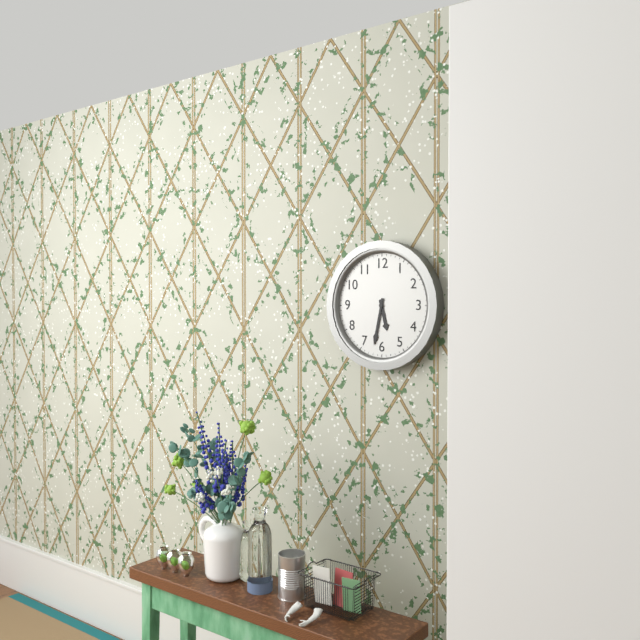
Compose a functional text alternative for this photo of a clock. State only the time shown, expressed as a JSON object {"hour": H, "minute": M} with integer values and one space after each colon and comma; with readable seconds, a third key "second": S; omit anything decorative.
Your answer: {"hour": 5, "minute": 32}
